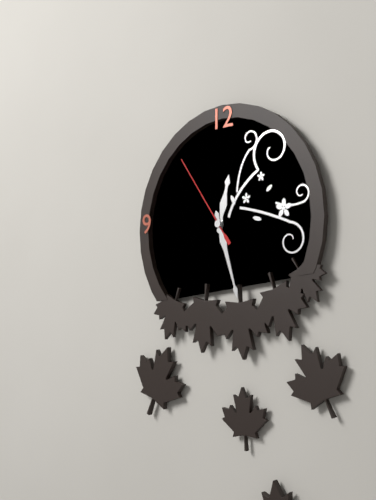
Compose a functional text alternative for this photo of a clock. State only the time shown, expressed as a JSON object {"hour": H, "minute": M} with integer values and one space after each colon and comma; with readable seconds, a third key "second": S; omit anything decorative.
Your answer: {"hour": 12, "minute": 27, "second": 54}
